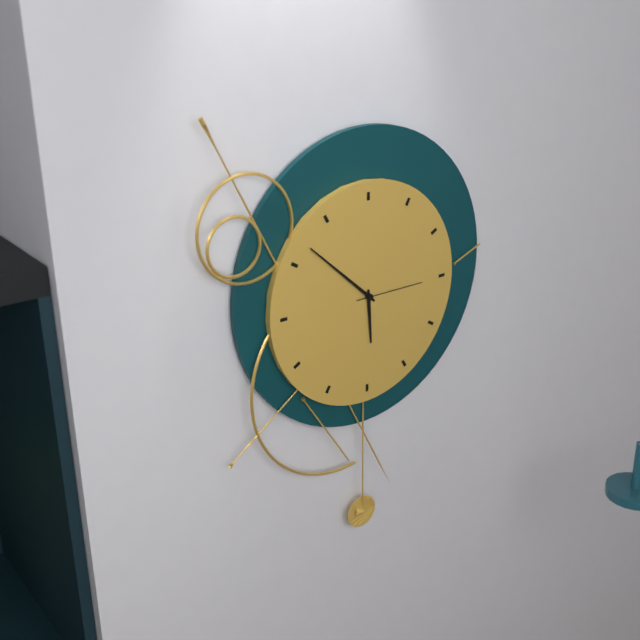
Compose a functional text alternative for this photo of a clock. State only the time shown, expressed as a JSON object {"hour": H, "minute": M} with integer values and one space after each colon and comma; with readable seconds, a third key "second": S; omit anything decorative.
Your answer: {"hour": 5, "minute": 52, "second": 15}
